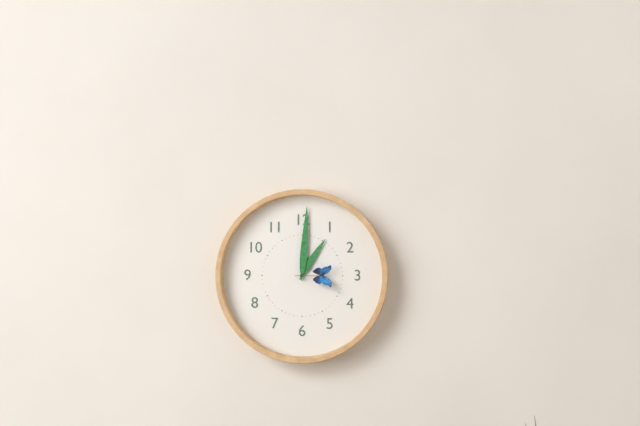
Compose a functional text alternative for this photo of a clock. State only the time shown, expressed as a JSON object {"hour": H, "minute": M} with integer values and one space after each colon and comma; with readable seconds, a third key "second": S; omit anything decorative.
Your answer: {"hour": 1, "minute": 1}
